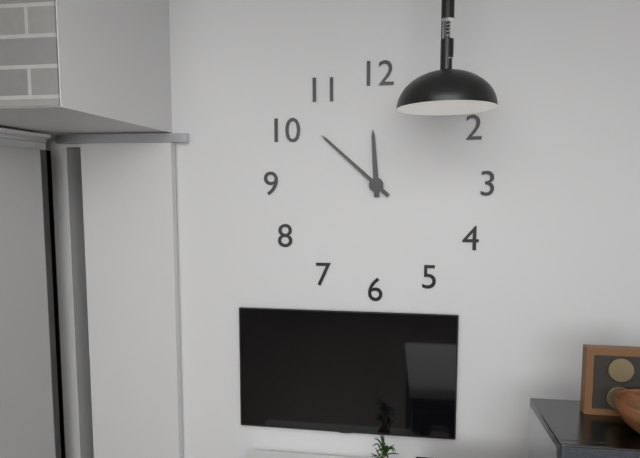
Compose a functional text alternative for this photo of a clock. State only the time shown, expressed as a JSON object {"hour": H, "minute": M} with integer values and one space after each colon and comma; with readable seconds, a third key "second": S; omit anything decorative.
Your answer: {"hour": 11, "minute": 52}
